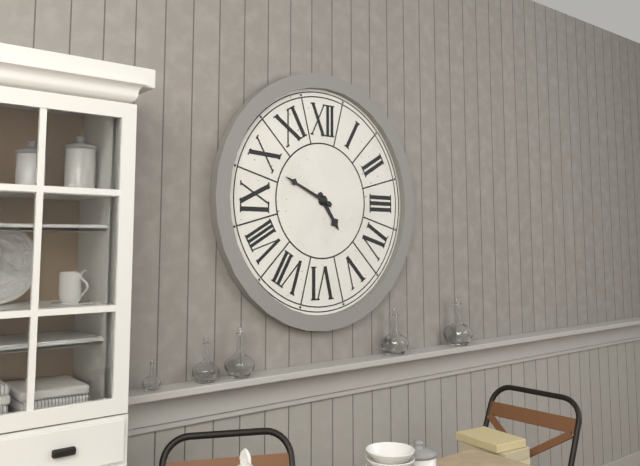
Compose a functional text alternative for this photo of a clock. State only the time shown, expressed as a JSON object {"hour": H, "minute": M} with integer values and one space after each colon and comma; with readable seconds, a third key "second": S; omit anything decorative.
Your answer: {"hour": 4, "minute": 49}
